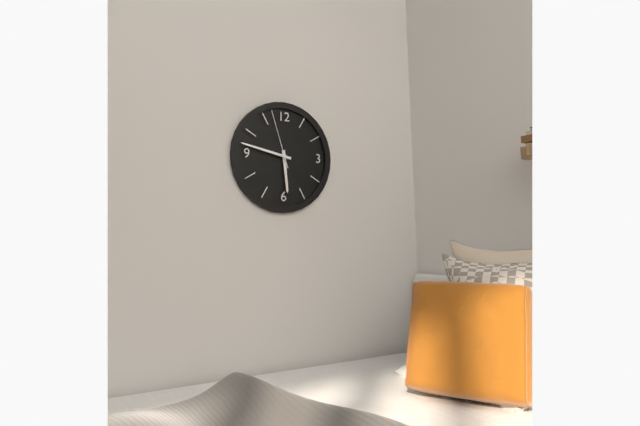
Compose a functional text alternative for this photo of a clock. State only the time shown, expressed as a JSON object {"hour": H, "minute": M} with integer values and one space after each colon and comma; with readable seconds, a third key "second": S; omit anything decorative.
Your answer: {"hour": 5, "minute": 47, "second": 57}
